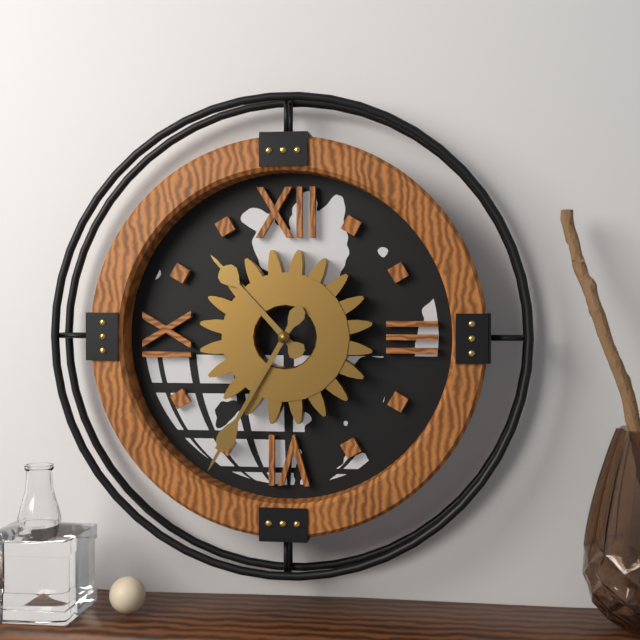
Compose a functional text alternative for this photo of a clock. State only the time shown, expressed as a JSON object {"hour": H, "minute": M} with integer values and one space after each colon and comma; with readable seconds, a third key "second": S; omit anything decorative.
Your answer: {"hour": 10, "minute": 35}
